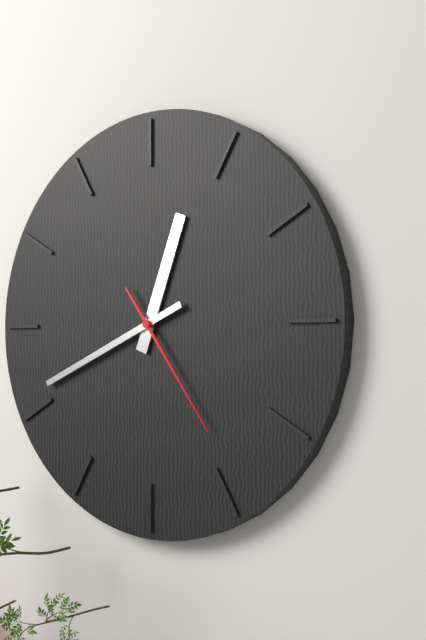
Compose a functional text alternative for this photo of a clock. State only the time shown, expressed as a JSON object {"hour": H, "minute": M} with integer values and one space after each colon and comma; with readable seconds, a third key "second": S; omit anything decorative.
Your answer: {"hour": 12, "minute": 41, "second": 24}
